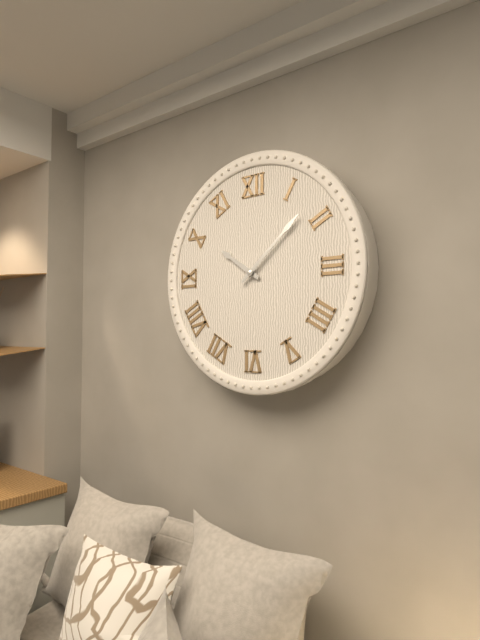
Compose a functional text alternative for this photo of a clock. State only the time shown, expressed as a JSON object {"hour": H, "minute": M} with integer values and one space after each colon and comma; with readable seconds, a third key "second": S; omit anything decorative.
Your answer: {"hour": 10, "minute": 8}
